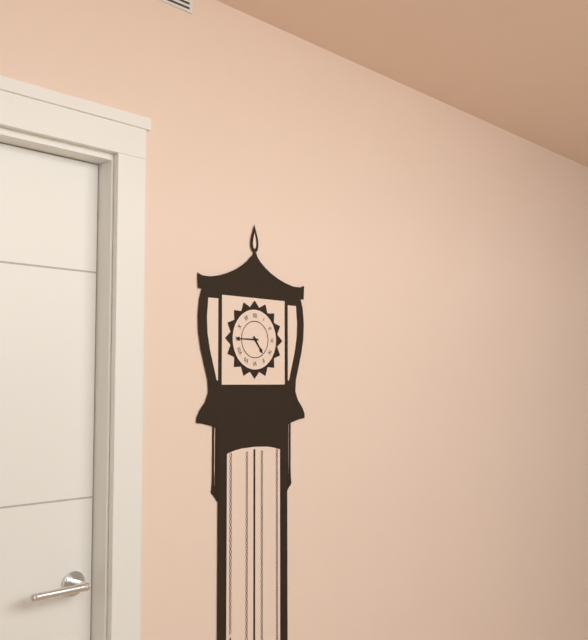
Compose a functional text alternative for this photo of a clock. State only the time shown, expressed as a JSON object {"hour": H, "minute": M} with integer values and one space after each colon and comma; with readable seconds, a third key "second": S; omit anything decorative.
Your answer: {"hour": 4, "minute": 45}
